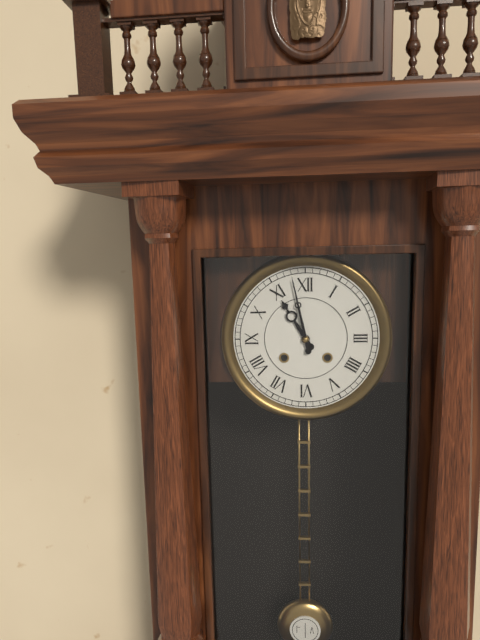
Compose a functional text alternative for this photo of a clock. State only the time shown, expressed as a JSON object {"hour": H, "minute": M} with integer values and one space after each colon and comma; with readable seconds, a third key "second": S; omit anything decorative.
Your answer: {"hour": 10, "minute": 58}
